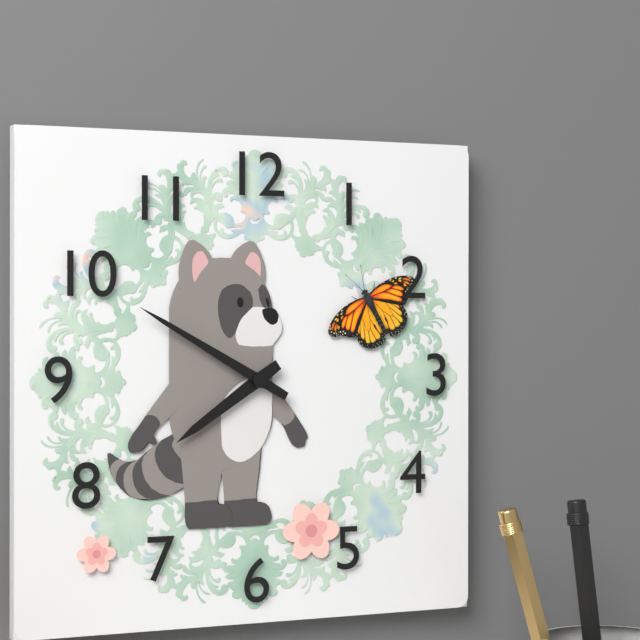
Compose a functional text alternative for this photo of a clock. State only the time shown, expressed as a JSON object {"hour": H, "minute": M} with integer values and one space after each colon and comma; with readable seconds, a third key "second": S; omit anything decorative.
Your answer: {"hour": 7, "minute": 50}
